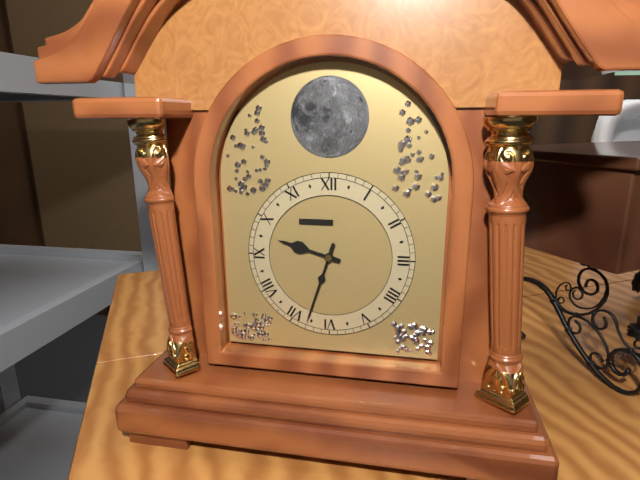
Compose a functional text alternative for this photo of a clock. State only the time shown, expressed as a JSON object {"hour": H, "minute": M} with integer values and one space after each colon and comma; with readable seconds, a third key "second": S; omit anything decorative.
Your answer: {"hour": 9, "minute": 33}
